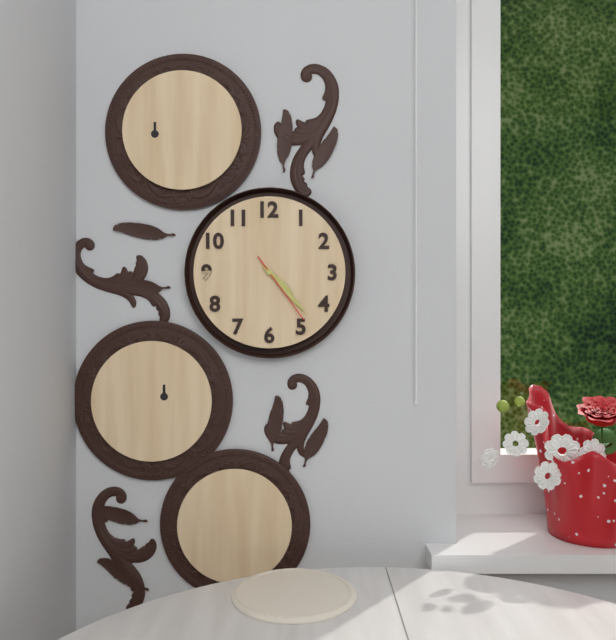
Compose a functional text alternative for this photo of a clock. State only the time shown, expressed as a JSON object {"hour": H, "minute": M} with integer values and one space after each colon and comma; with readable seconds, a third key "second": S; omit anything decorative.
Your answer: {"hour": 4, "minute": 23, "second": 24}
